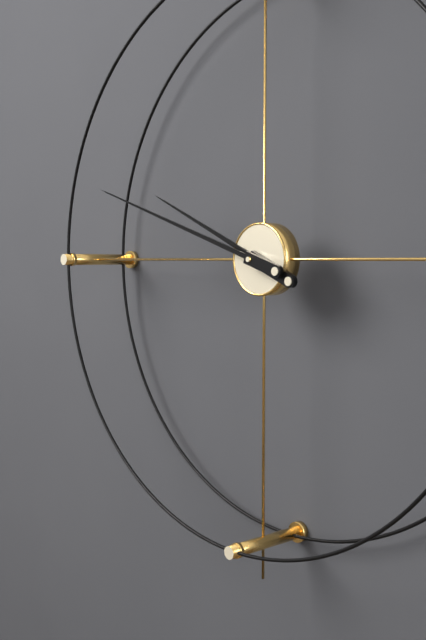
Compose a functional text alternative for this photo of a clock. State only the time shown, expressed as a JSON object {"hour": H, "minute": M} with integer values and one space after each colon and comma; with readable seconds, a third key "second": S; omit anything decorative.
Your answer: {"hour": 9, "minute": 48}
